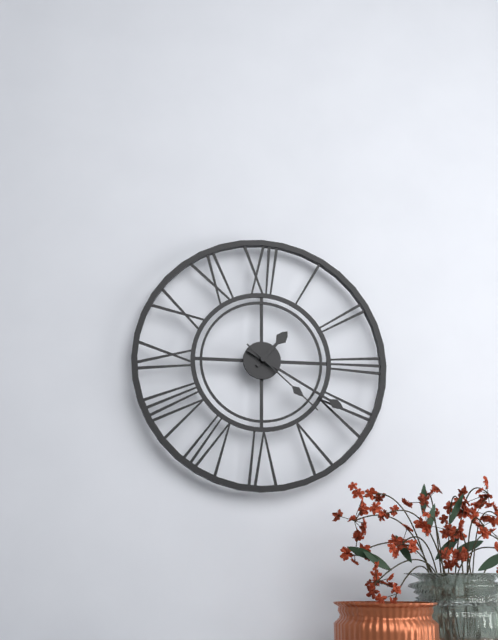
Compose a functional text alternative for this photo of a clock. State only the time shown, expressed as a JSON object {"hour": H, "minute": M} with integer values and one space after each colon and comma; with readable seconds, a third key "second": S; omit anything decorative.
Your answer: {"hour": 1, "minute": 20, "second": 22}
